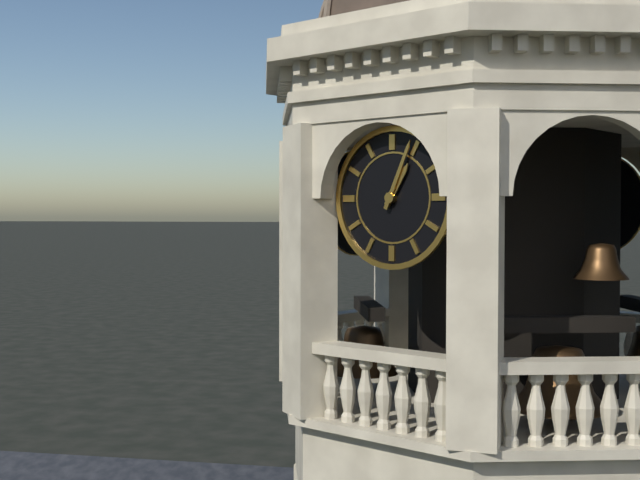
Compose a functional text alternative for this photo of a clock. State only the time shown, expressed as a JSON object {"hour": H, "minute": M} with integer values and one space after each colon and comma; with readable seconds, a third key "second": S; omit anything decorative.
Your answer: {"hour": 1, "minute": 4}
